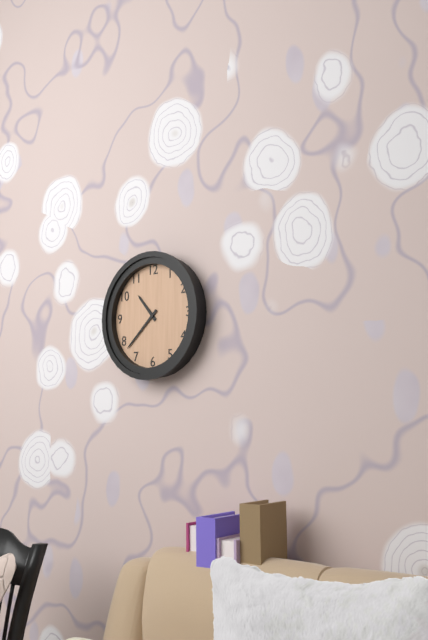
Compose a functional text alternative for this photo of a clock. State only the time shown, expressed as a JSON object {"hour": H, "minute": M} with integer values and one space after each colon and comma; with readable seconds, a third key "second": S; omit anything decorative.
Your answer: {"hour": 10, "minute": 38}
